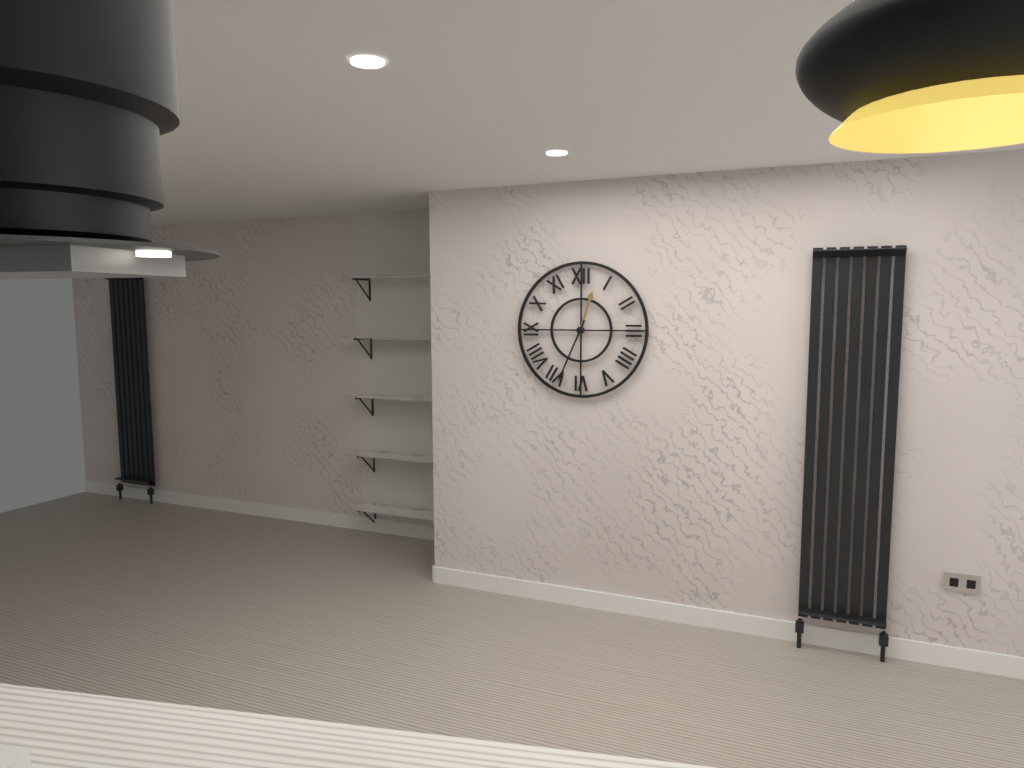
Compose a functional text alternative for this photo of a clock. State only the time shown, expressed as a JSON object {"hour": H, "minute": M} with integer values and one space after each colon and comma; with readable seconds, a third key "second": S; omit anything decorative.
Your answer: {"hour": 12, "minute": 34}
